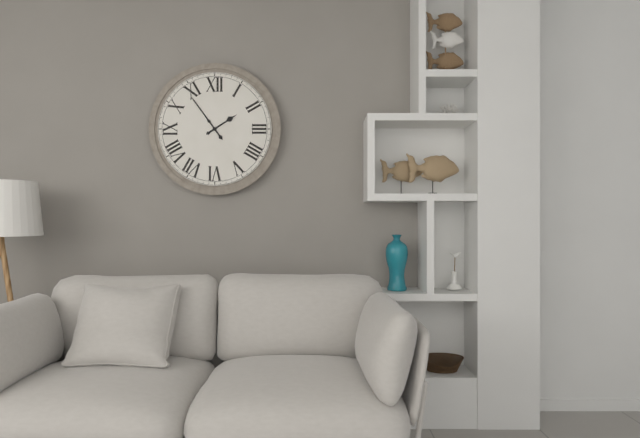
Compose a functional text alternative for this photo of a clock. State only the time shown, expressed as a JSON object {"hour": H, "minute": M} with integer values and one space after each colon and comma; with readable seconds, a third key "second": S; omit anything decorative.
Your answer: {"hour": 1, "minute": 54}
